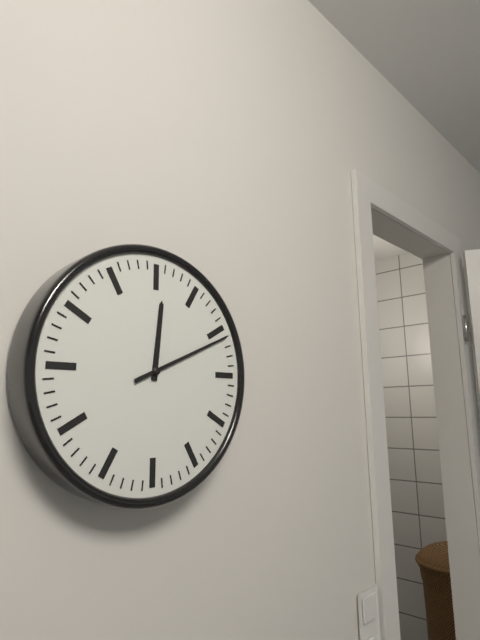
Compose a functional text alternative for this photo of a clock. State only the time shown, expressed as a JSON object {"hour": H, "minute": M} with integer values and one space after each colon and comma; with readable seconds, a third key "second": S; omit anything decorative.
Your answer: {"hour": 12, "minute": 11}
